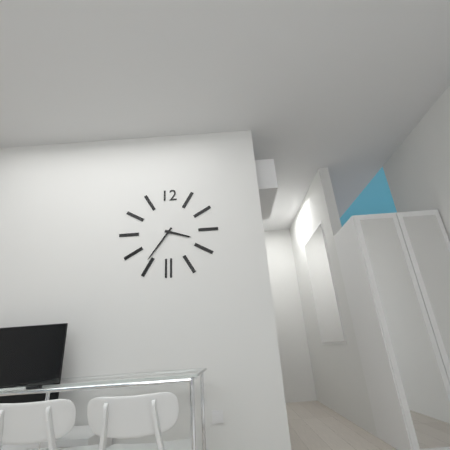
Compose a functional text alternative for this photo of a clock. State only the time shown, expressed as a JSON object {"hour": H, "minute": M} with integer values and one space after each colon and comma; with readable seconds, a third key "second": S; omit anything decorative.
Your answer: {"hour": 3, "minute": 36}
